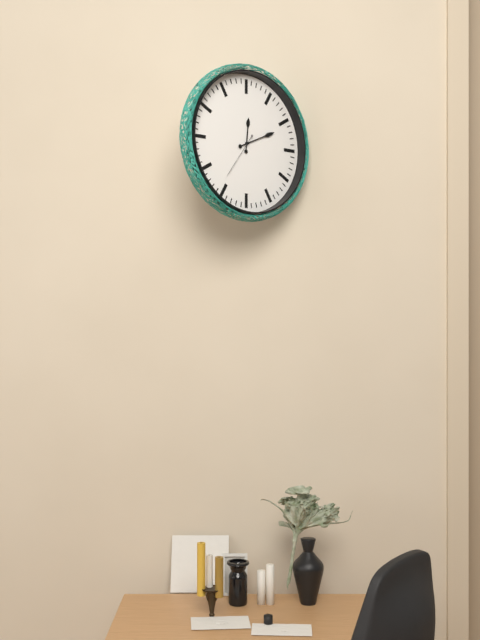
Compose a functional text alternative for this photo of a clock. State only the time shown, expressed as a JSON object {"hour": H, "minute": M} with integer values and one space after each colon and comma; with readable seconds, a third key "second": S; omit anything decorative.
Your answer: {"hour": 12, "minute": 11}
